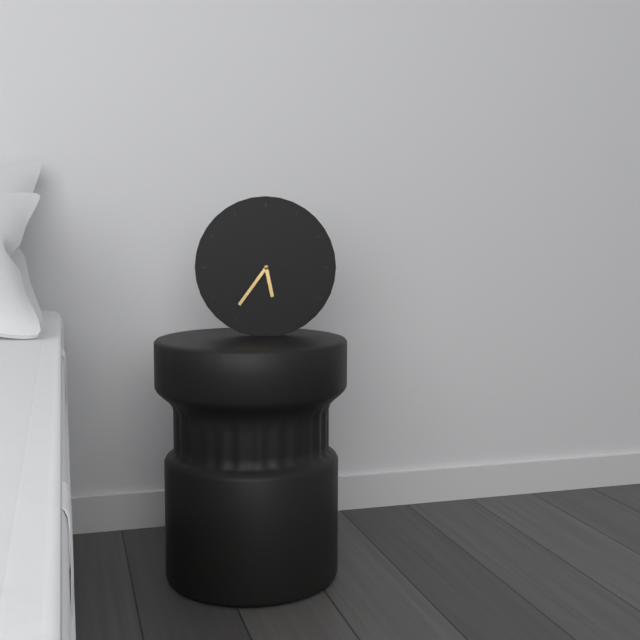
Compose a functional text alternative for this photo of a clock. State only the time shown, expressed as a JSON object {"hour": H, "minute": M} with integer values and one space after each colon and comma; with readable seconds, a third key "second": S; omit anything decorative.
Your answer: {"hour": 5, "minute": 36}
